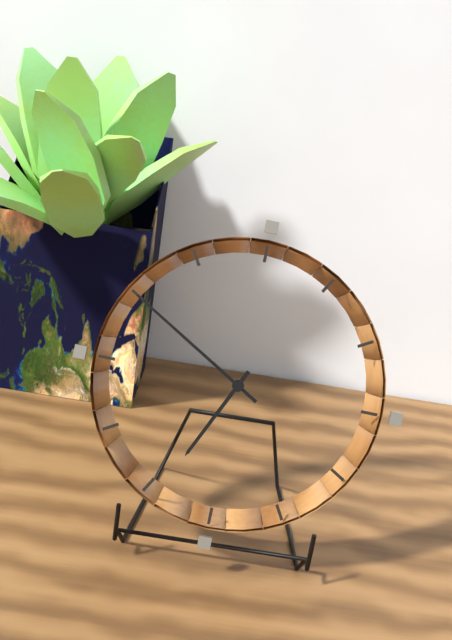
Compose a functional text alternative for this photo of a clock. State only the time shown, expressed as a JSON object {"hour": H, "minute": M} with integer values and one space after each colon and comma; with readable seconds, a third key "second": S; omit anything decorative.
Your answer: {"hour": 6, "minute": 50}
